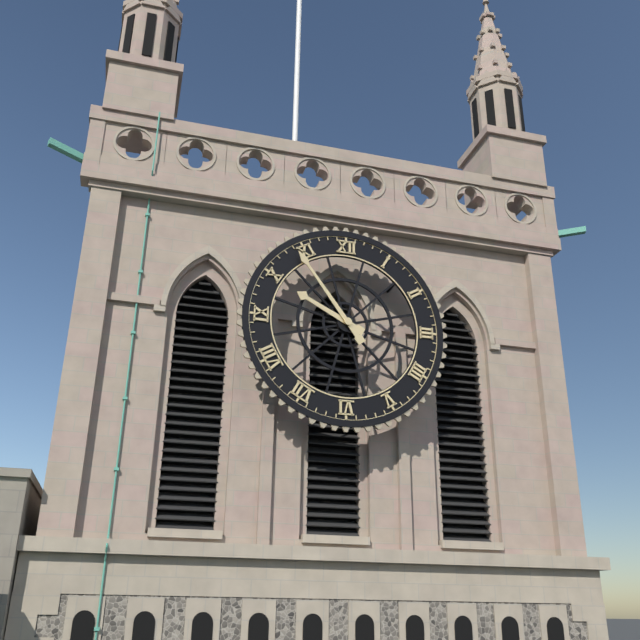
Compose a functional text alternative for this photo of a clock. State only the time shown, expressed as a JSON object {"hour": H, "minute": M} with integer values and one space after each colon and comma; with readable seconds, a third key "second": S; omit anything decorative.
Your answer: {"hour": 9, "minute": 54}
